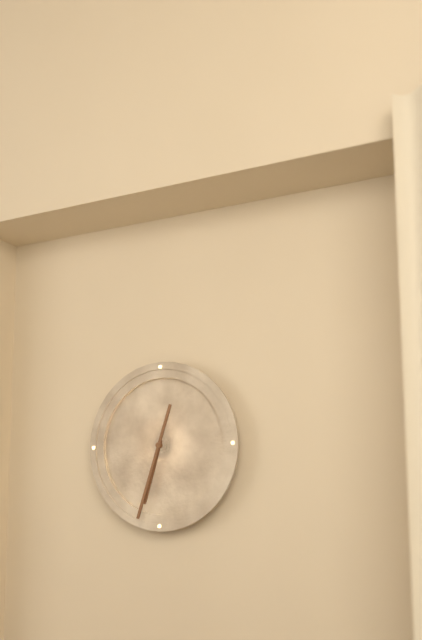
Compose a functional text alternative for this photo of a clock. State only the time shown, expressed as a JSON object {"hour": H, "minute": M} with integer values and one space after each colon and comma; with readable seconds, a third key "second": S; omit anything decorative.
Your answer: {"hour": 6, "minute": 33}
